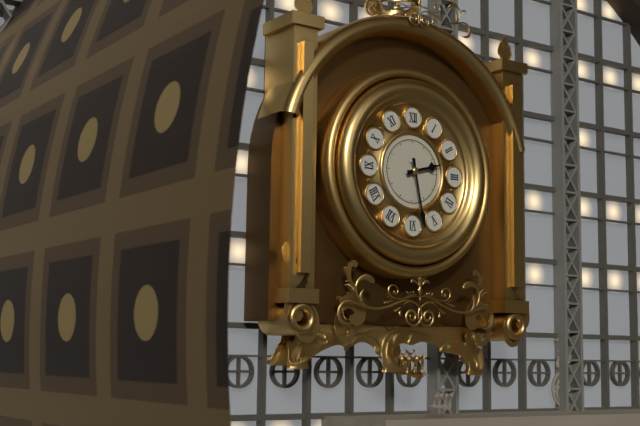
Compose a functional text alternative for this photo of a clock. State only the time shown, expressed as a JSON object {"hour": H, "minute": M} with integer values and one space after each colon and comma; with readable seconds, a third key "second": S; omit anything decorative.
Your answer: {"hour": 2, "minute": 28}
